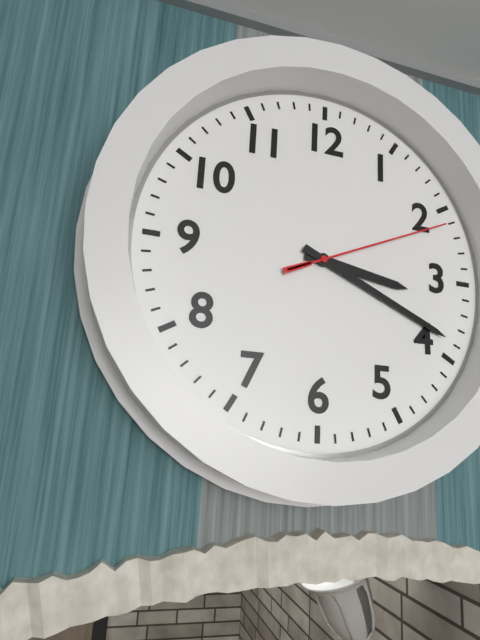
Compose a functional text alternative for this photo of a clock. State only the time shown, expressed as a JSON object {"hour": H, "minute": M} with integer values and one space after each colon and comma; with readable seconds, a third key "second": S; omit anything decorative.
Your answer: {"hour": 3, "minute": 19, "second": 11}
